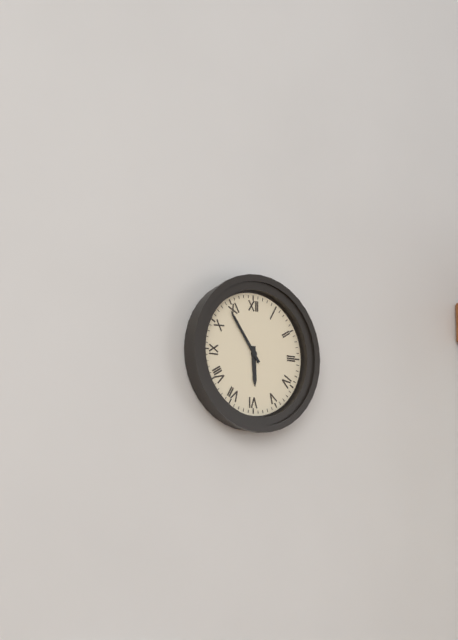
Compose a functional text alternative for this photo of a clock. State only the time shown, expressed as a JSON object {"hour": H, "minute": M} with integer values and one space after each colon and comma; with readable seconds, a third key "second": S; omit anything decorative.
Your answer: {"hour": 5, "minute": 54}
